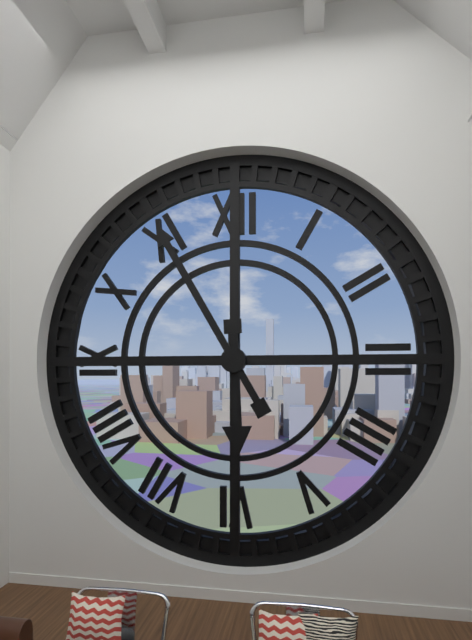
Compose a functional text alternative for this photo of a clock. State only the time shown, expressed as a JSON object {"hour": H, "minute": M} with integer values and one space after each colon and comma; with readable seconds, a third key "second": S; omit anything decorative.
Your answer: {"hour": 5, "minute": 55}
